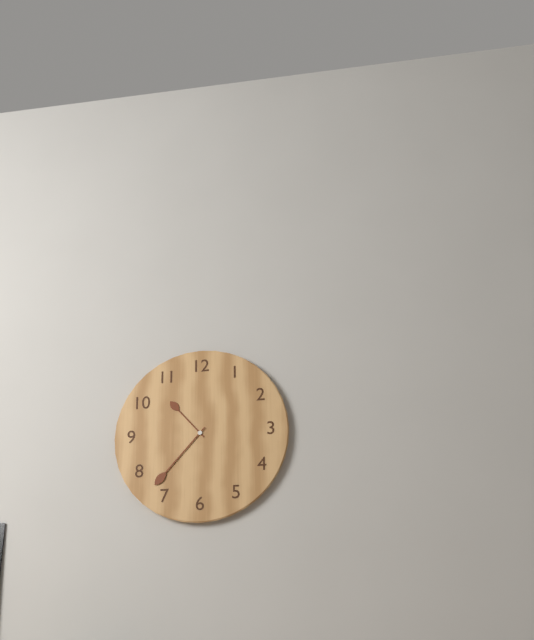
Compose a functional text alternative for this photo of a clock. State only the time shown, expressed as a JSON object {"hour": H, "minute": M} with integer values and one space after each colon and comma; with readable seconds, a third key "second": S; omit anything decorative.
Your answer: {"hour": 10, "minute": 37}
